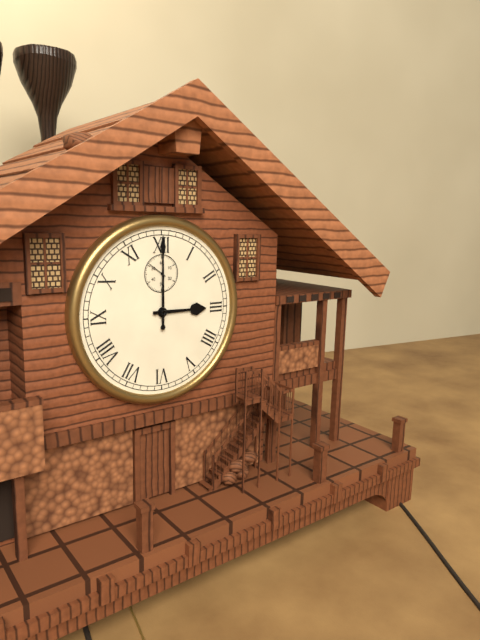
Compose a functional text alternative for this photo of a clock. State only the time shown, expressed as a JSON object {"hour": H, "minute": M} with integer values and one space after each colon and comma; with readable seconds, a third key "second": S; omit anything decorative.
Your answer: {"hour": 3, "minute": 0}
